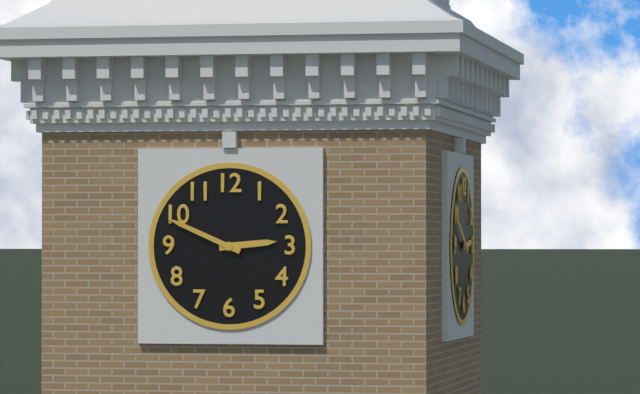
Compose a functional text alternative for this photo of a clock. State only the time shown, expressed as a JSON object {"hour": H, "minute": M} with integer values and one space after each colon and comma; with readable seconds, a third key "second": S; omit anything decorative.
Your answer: {"hour": 2, "minute": 49}
